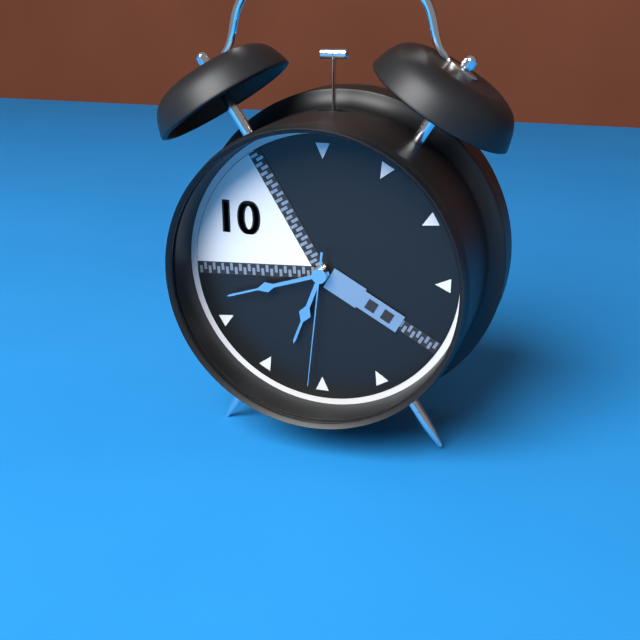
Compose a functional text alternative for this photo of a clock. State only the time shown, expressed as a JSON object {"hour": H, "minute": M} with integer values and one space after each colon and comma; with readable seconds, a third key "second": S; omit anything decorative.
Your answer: {"hour": 6, "minute": 42, "second": 31}
